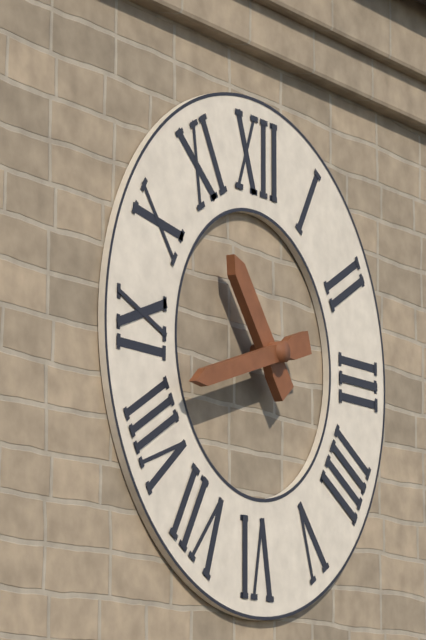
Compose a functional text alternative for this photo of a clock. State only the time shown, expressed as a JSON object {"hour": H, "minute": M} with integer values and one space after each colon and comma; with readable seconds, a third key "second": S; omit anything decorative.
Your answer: {"hour": 10, "minute": 42}
